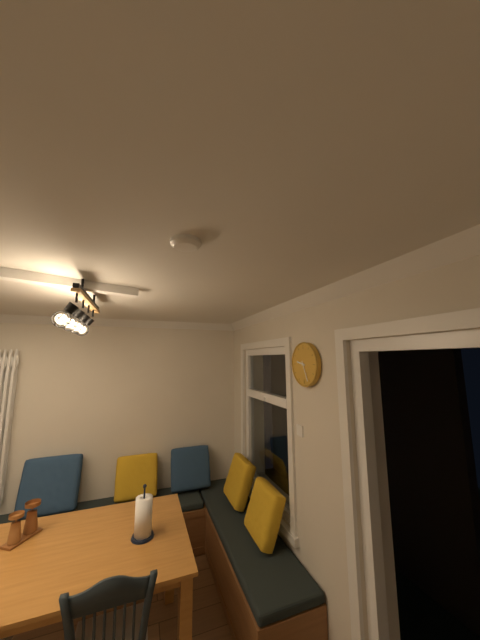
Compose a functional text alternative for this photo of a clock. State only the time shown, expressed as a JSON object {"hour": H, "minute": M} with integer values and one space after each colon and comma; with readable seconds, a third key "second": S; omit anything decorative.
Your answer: {"hour": 9, "minute": 26}
